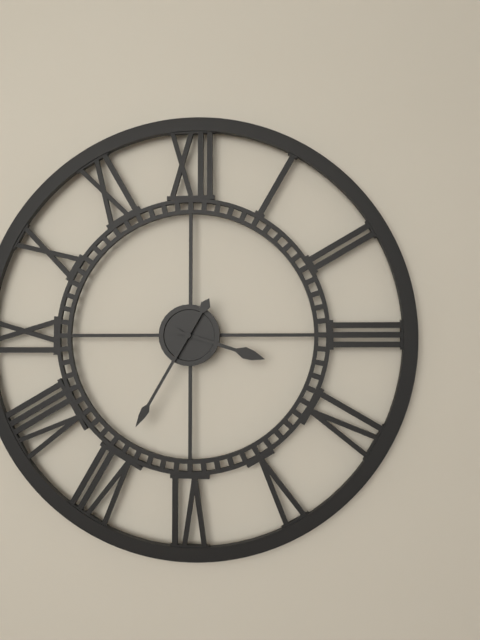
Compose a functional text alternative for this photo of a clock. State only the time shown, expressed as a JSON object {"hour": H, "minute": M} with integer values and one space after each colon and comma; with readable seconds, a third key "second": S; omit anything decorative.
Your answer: {"hour": 3, "minute": 35}
